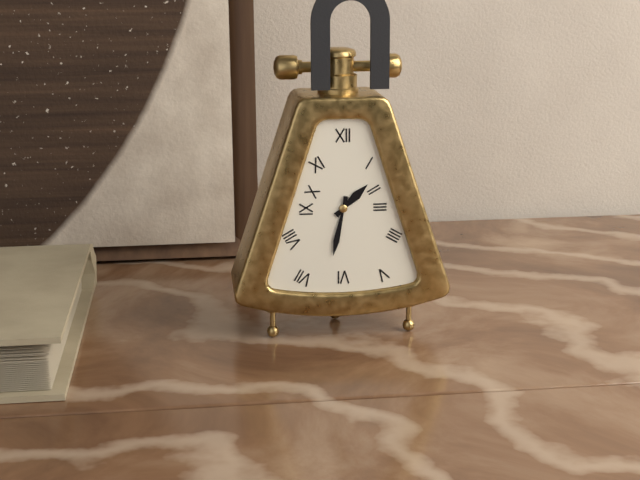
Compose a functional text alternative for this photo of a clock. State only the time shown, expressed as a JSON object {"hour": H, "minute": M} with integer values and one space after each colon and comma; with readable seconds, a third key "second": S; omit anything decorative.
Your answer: {"hour": 1, "minute": 32}
